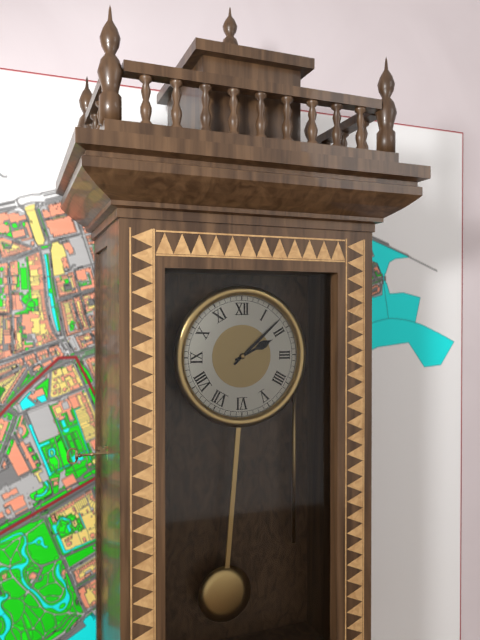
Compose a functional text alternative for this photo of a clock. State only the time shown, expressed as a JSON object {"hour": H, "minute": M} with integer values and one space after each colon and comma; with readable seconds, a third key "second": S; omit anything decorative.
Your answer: {"hour": 2, "minute": 8}
